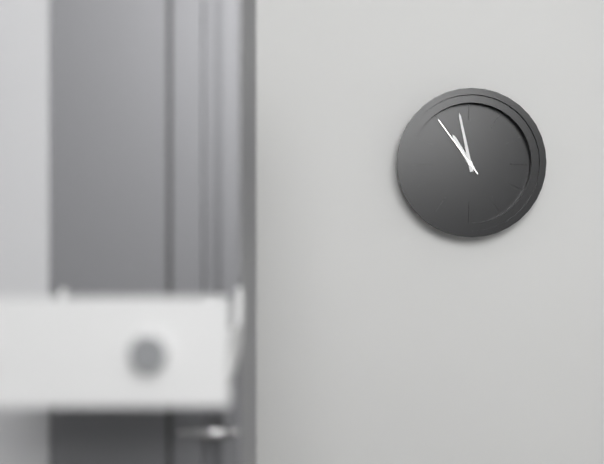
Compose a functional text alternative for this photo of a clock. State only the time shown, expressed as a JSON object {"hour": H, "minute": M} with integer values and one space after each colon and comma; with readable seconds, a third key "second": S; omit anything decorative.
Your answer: {"hour": 10, "minute": 58, "second": 54}
